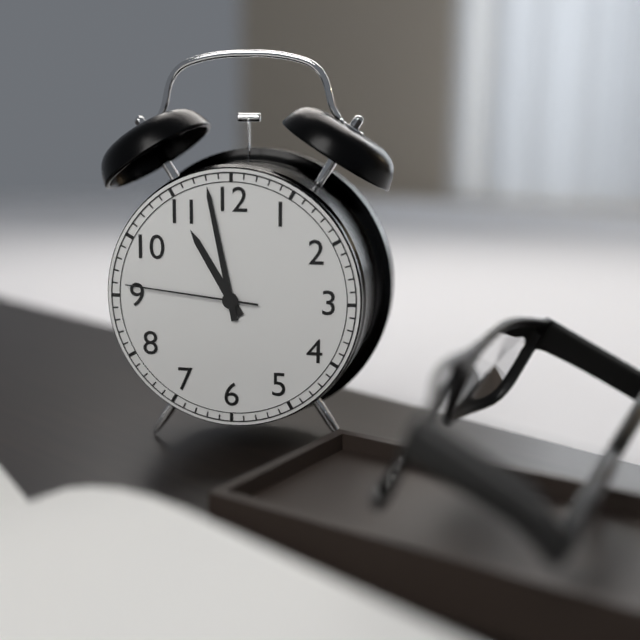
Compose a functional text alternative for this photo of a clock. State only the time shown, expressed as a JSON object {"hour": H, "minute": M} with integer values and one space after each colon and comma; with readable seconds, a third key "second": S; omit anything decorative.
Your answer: {"hour": 10, "minute": 58, "second": 46}
